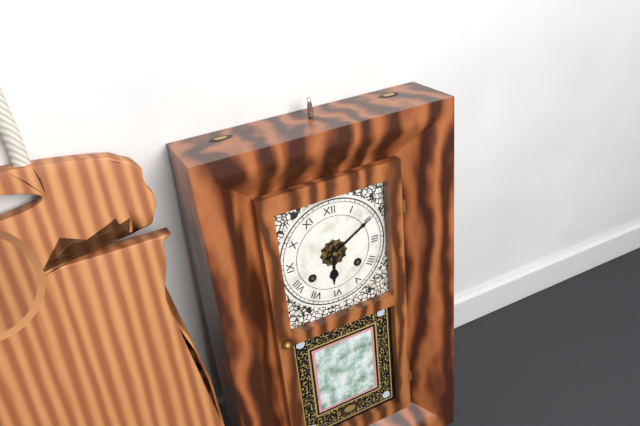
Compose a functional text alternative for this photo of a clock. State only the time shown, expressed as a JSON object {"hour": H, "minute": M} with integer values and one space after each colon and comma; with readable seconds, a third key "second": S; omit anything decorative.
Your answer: {"hour": 6, "minute": 10}
